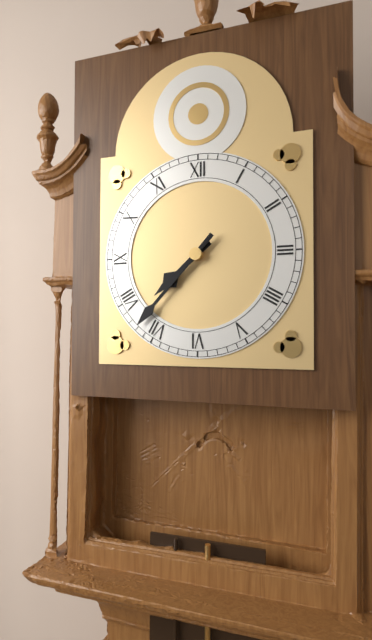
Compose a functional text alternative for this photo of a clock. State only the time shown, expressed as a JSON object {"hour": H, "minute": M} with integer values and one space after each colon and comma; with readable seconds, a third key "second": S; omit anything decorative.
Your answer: {"hour": 7, "minute": 37}
